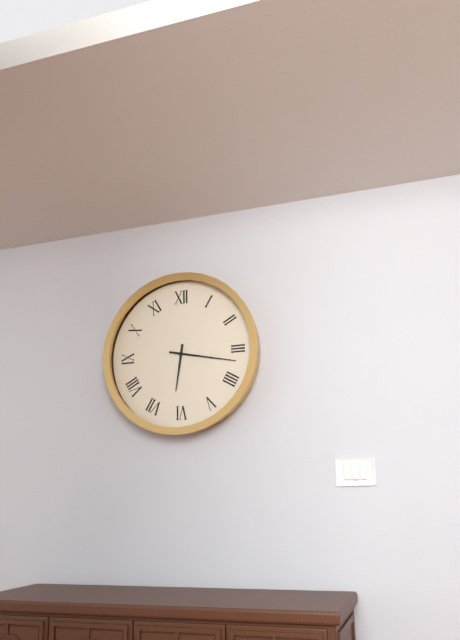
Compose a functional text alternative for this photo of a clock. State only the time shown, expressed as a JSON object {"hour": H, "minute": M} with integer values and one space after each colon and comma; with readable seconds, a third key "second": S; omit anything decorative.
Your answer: {"hour": 6, "minute": 17}
